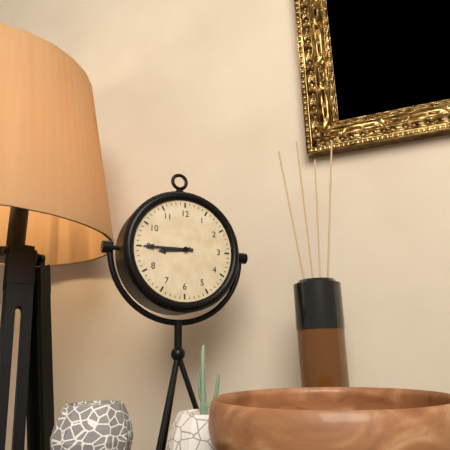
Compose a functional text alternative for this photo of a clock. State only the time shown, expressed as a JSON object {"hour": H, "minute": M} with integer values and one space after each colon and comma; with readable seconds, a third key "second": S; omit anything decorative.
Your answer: {"hour": 8, "minute": 45}
